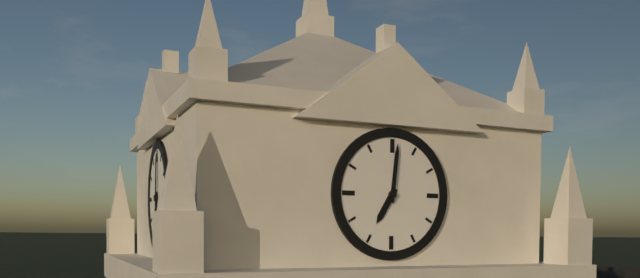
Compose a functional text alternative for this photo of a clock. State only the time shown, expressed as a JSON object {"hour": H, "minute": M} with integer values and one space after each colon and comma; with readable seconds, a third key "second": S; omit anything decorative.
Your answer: {"hour": 7, "minute": 1}
